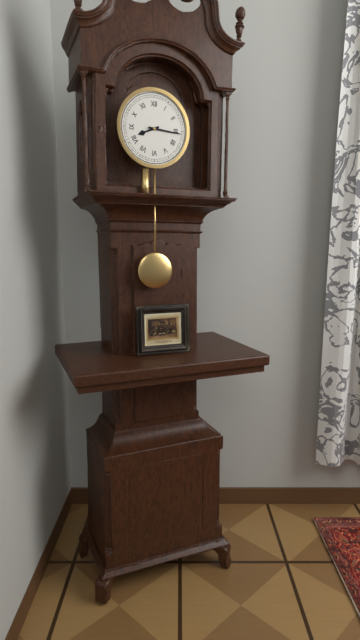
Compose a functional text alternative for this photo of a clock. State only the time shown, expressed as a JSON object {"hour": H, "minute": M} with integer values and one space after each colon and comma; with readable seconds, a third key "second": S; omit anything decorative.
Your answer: {"hour": 8, "minute": 16}
